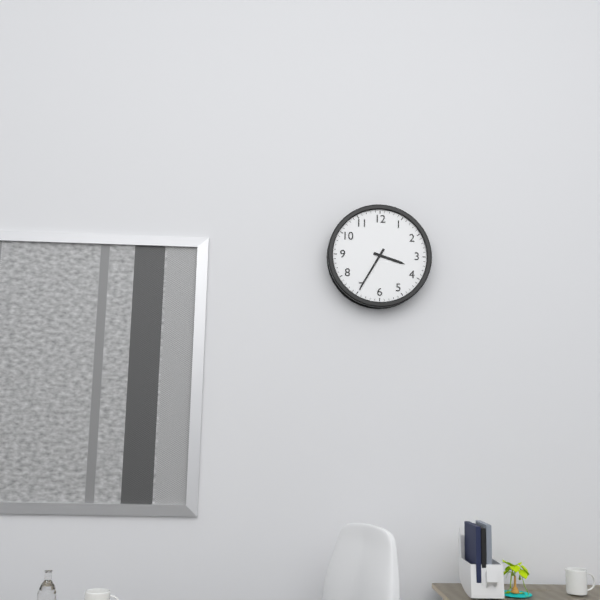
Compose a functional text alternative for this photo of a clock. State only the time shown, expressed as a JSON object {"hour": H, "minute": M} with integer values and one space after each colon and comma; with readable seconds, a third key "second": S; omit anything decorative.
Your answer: {"hour": 3, "minute": 35}
